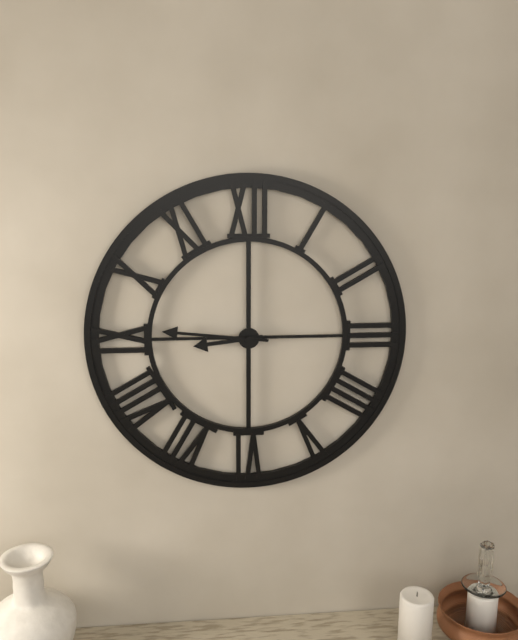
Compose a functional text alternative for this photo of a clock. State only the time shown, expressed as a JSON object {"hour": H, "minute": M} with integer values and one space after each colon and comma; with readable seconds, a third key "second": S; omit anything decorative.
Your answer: {"hour": 8, "minute": 46}
